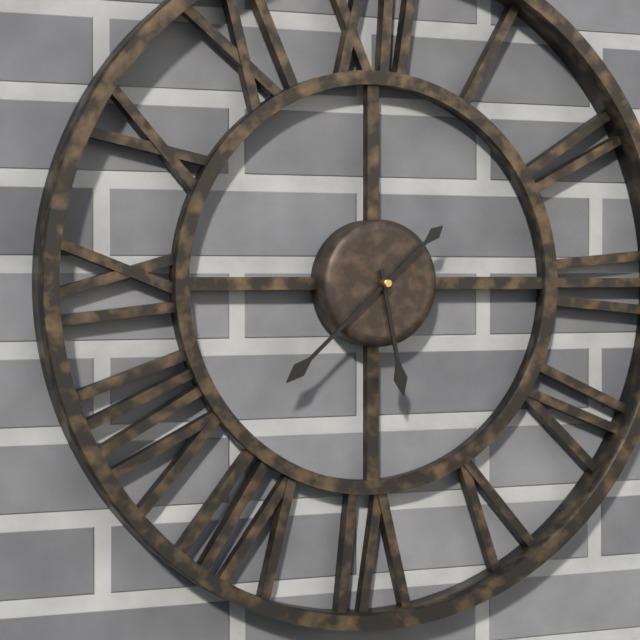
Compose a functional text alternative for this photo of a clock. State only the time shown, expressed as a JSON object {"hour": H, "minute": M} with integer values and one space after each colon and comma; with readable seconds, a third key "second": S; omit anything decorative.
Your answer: {"hour": 5, "minute": 38}
